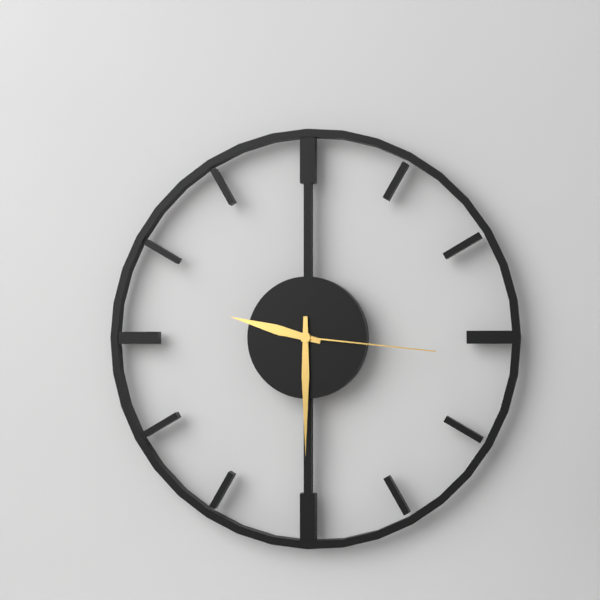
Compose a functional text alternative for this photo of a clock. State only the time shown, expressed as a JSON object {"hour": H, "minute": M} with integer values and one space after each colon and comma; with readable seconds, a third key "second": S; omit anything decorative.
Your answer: {"hour": 9, "minute": 30, "second": 16}
